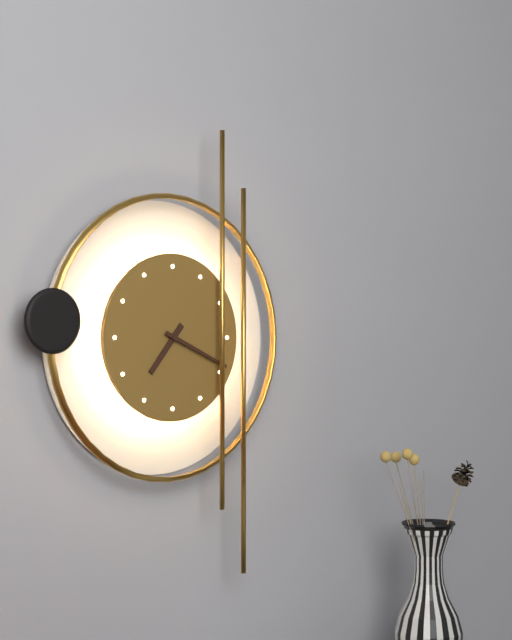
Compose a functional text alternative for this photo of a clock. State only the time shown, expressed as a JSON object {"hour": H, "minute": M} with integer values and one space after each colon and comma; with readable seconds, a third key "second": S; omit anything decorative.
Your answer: {"hour": 7, "minute": 19}
